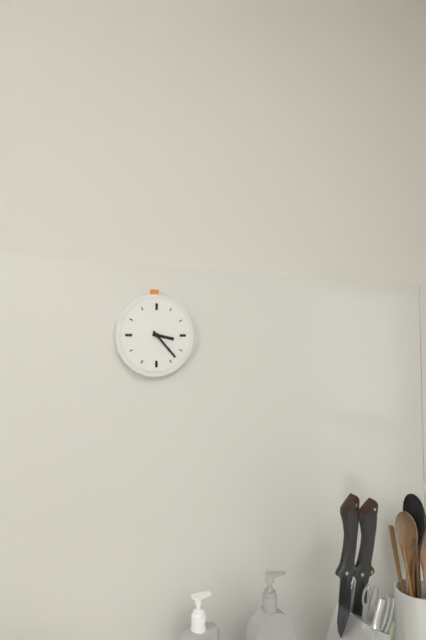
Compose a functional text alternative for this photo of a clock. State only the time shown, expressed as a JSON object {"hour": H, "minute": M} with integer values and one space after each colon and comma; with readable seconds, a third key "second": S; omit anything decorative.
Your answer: {"hour": 3, "minute": 23}
